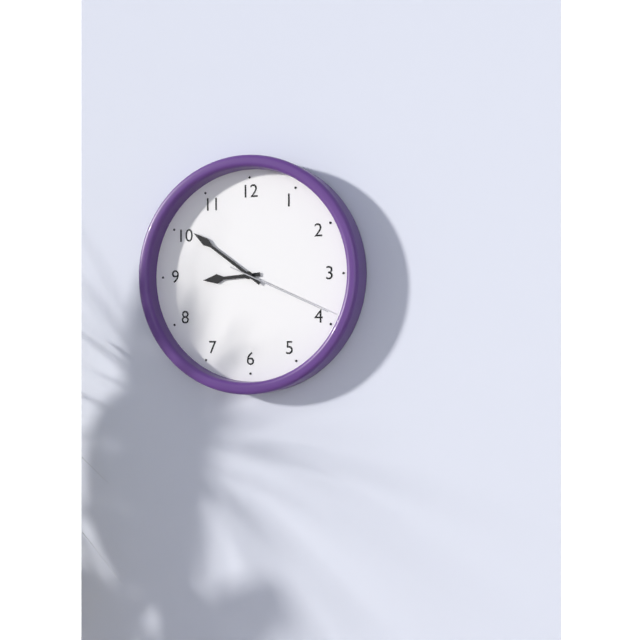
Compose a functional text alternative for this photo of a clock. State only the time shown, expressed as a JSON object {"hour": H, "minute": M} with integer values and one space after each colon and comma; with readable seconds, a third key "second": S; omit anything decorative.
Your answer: {"hour": 8, "minute": 51, "second": 19}
